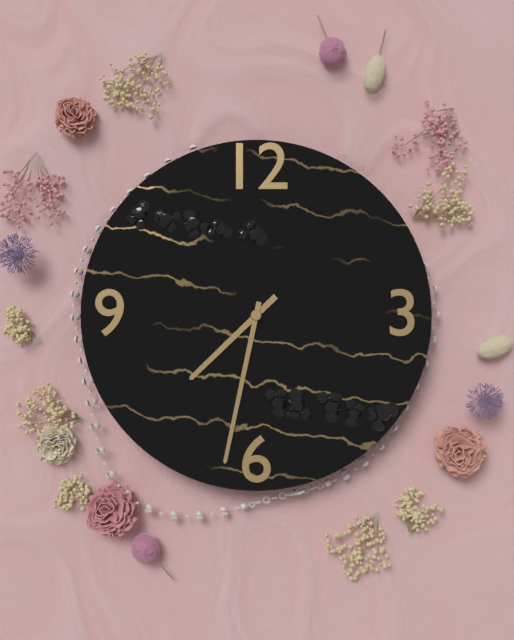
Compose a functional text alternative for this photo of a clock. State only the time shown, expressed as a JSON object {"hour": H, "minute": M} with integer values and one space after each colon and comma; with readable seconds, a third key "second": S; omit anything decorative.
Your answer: {"hour": 7, "minute": 32}
